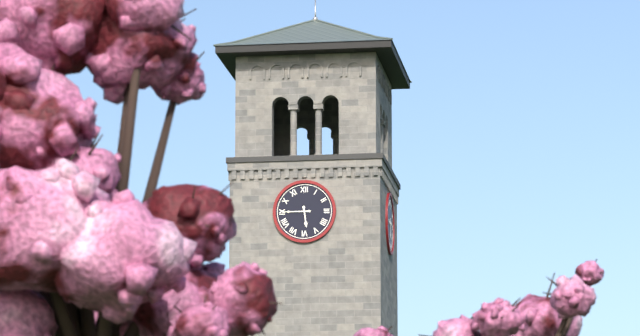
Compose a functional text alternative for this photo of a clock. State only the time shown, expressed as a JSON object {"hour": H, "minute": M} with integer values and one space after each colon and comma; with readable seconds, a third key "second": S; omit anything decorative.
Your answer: {"hour": 5, "minute": 45}
